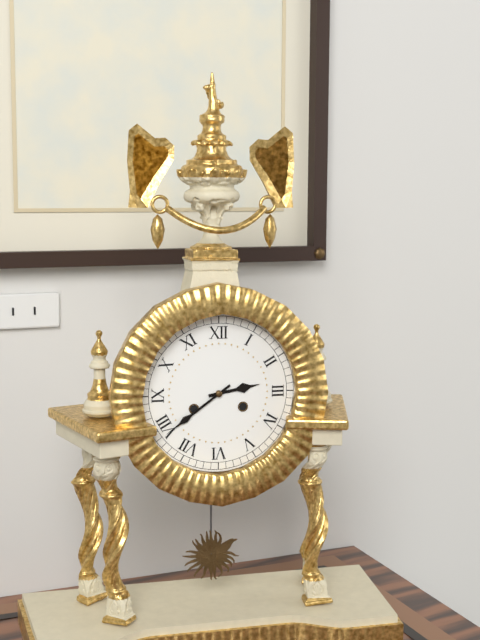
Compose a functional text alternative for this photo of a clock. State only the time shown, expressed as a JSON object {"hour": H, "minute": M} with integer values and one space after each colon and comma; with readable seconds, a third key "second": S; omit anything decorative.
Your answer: {"hour": 2, "minute": 39}
